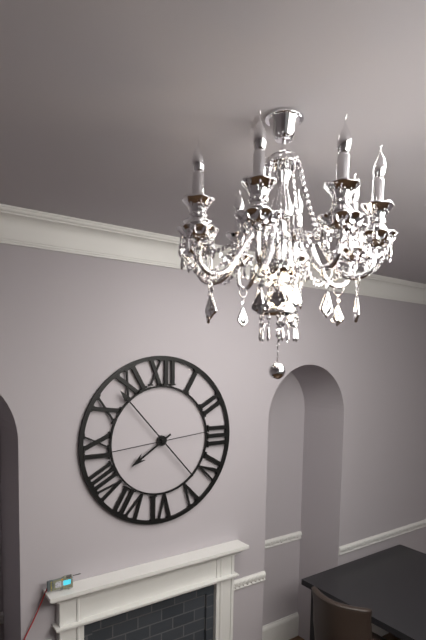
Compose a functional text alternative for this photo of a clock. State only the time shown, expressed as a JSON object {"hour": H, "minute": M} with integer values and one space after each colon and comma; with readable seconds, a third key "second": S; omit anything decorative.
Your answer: {"hour": 7, "minute": 53, "second": 44}
